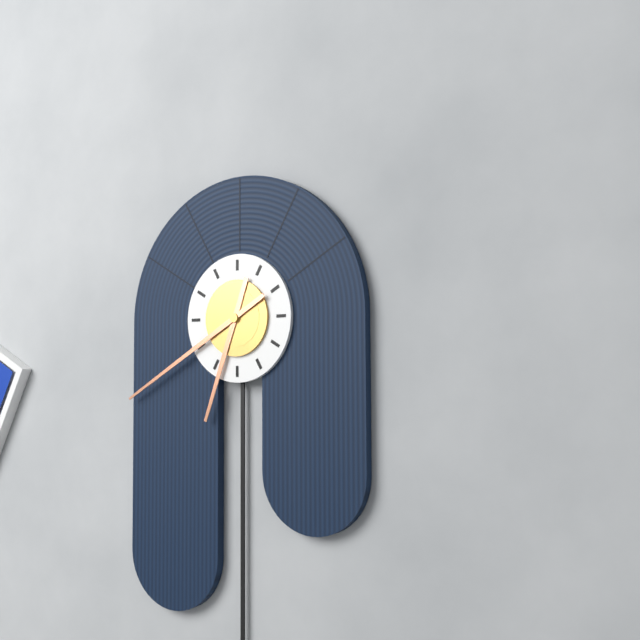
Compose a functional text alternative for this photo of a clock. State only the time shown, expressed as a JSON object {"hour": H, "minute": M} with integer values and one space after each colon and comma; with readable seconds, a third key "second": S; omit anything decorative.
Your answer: {"hour": 6, "minute": 40}
